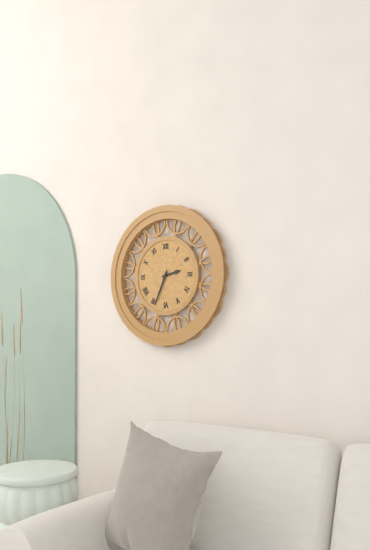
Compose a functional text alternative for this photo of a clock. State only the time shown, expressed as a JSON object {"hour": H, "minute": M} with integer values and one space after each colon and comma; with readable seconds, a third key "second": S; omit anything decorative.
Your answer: {"hour": 2, "minute": 34}
